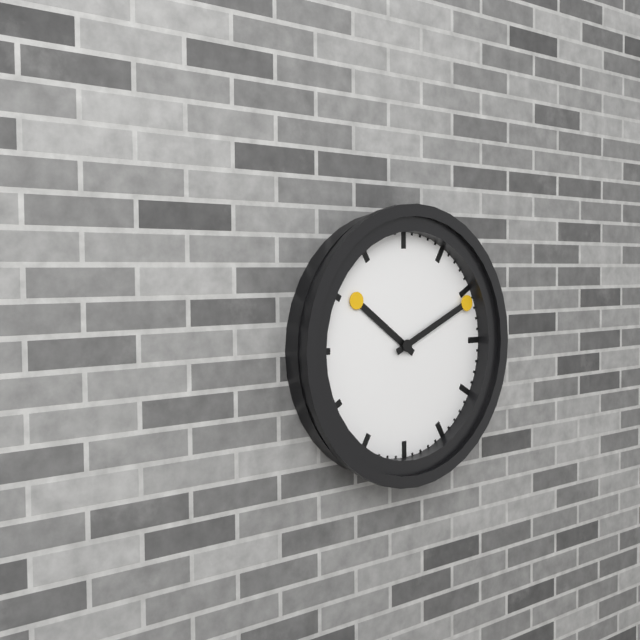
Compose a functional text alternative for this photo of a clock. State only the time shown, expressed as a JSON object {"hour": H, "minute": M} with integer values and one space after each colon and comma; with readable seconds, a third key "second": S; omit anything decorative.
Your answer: {"hour": 10, "minute": 11}
